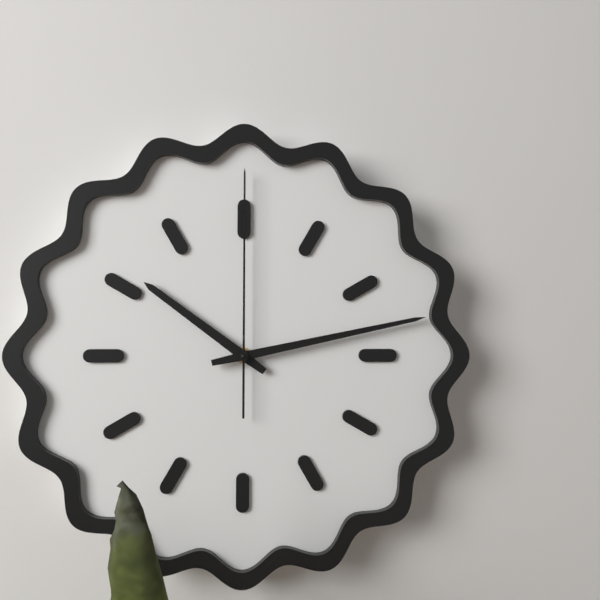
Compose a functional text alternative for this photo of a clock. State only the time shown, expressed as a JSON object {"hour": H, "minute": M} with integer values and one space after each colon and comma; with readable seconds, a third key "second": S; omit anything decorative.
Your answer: {"hour": 10, "minute": 13, "second": 0}
